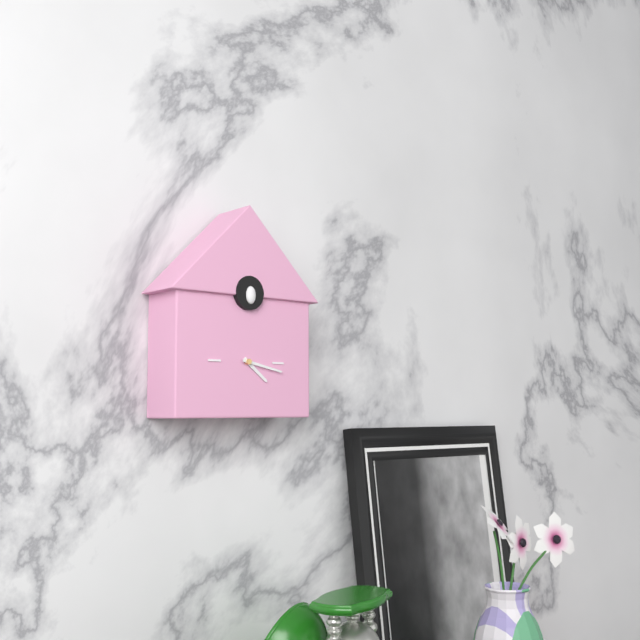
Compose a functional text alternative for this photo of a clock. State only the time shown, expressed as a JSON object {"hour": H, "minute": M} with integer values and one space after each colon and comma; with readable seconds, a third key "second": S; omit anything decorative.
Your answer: {"hour": 4, "minute": 17}
